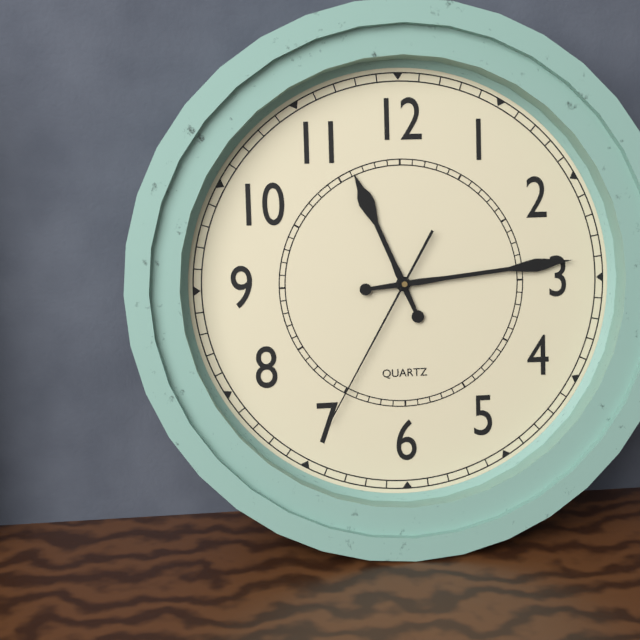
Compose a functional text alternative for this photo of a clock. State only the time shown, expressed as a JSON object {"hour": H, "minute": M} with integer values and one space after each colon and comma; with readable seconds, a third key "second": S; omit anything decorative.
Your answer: {"hour": 11, "minute": 14, "second": 35}
